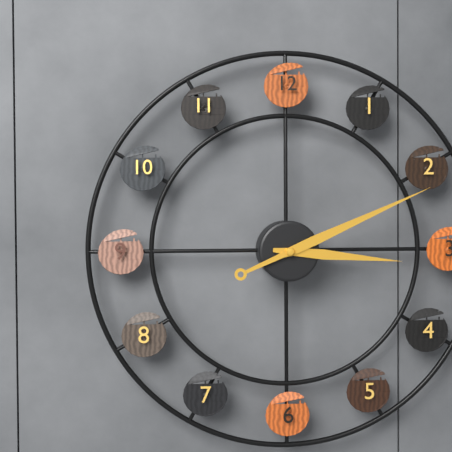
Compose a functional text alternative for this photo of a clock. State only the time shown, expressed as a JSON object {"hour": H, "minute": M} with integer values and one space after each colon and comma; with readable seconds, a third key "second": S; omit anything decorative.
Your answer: {"hour": 3, "minute": 11}
